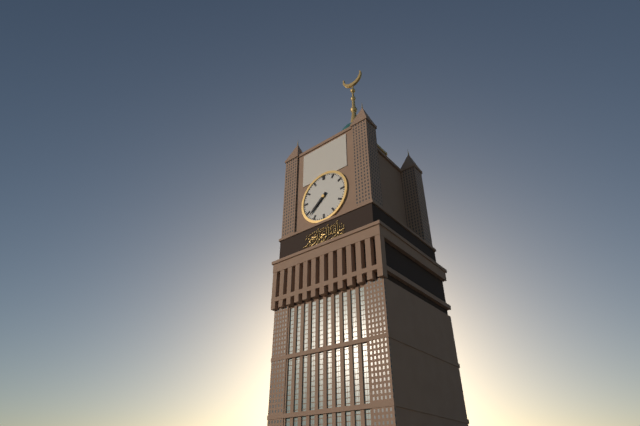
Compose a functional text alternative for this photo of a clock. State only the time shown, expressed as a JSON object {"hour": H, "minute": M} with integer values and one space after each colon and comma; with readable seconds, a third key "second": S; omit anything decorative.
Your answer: {"hour": 7, "minute": 38}
